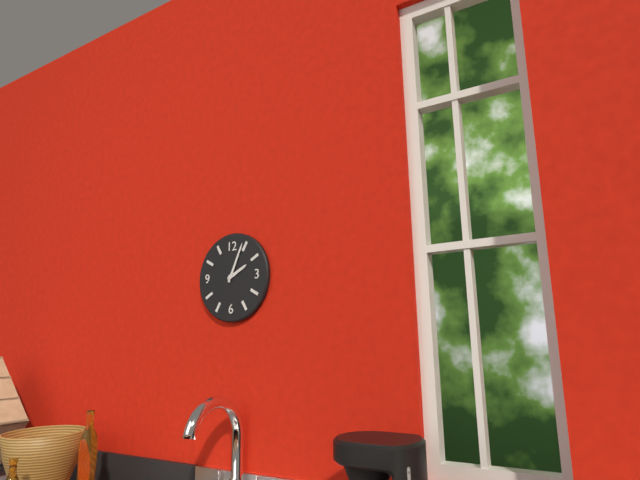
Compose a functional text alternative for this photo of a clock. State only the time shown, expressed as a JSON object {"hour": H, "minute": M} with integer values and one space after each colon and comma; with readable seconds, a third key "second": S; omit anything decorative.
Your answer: {"hour": 2, "minute": 4}
